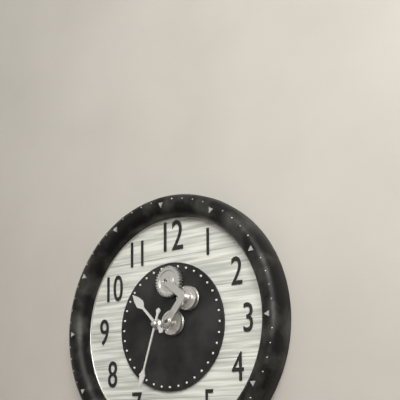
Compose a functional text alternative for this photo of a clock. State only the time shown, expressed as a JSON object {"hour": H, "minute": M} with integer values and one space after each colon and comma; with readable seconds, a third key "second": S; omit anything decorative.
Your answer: {"hour": 10, "minute": 33}
